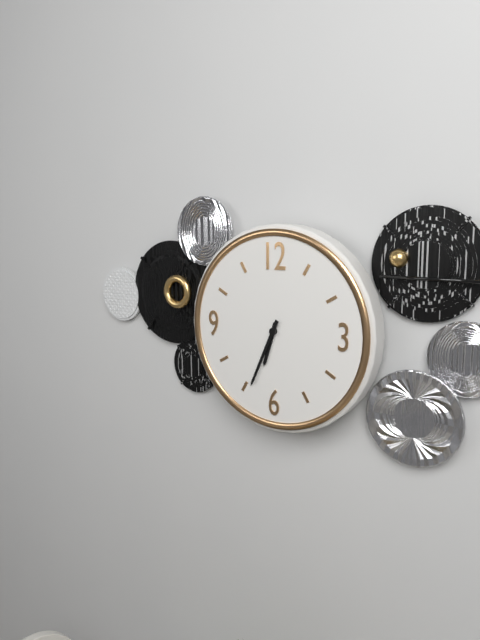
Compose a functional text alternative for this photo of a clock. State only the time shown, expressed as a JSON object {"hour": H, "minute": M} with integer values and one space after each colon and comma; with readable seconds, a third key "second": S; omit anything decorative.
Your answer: {"hour": 6, "minute": 34}
